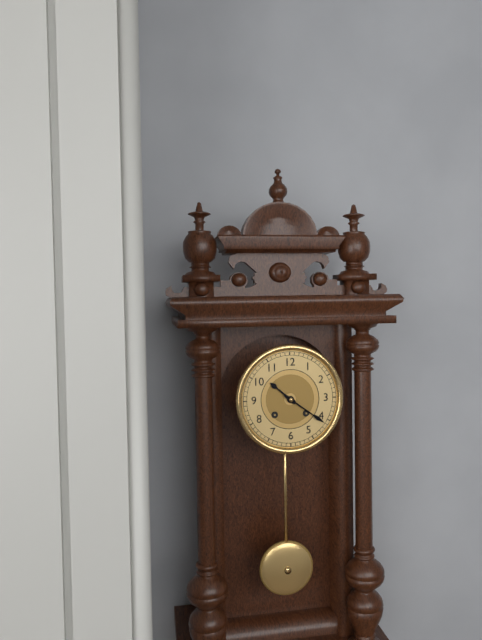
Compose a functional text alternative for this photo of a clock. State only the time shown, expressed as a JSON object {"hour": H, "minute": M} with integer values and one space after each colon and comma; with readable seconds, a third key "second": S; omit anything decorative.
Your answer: {"hour": 10, "minute": 21}
